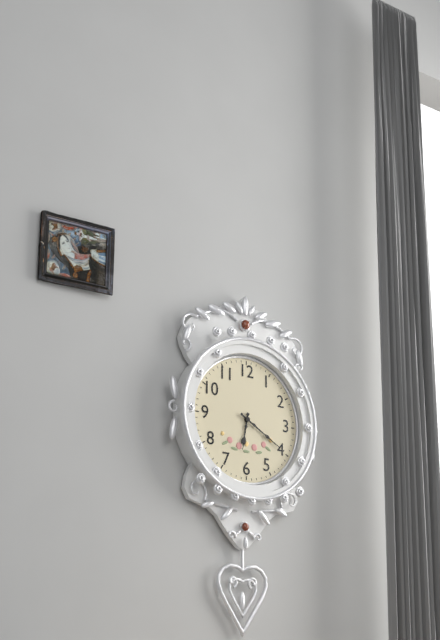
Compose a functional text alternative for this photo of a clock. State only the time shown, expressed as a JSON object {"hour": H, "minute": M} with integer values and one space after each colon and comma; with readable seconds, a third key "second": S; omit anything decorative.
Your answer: {"hour": 6, "minute": 20}
